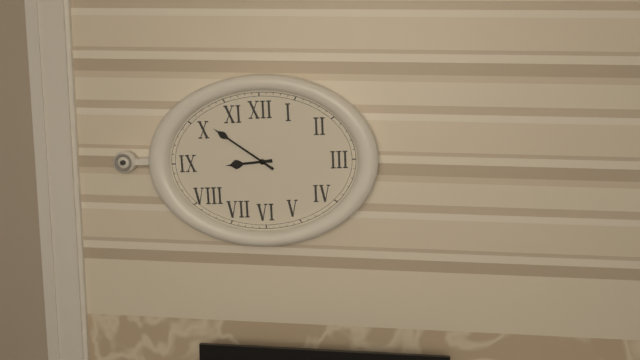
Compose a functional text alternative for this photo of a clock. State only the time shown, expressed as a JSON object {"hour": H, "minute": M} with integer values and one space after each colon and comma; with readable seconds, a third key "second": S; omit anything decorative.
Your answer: {"hour": 8, "minute": 51}
